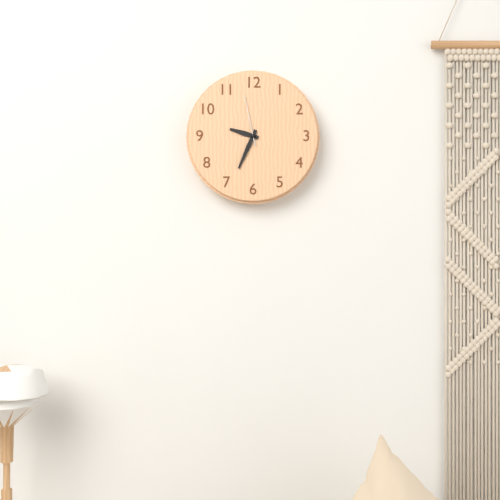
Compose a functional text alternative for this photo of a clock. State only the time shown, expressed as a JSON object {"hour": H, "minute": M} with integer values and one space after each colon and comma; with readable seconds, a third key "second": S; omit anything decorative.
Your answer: {"hour": 9, "minute": 34, "second": 58}
